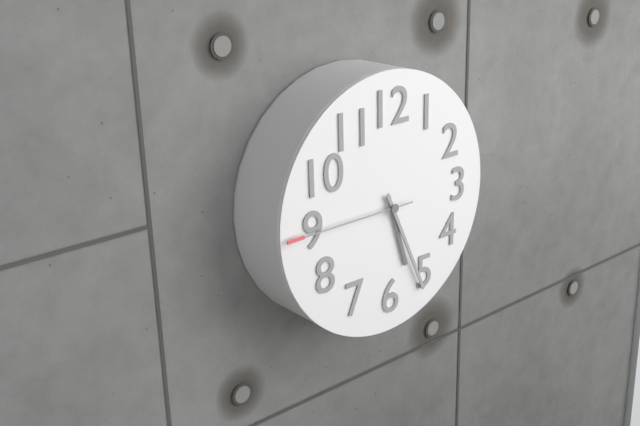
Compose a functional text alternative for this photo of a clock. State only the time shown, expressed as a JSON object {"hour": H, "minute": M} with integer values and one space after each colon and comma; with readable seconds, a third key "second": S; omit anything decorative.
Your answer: {"hour": 5, "minute": 26, "second": 45}
